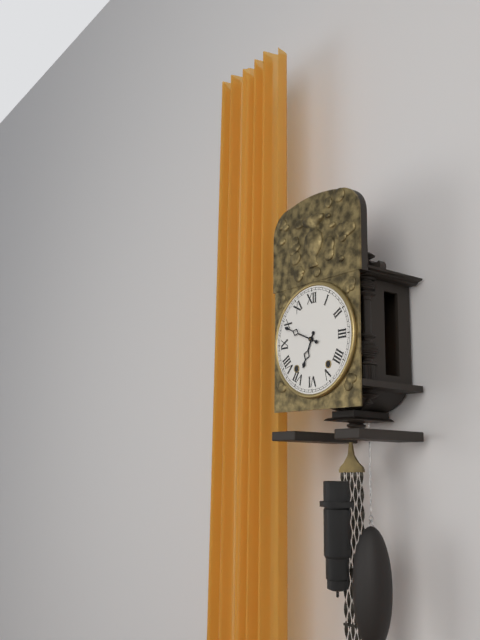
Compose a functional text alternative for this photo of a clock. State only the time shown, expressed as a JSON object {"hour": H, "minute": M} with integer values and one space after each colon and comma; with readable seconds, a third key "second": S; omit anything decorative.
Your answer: {"hour": 6, "minute": 49}
